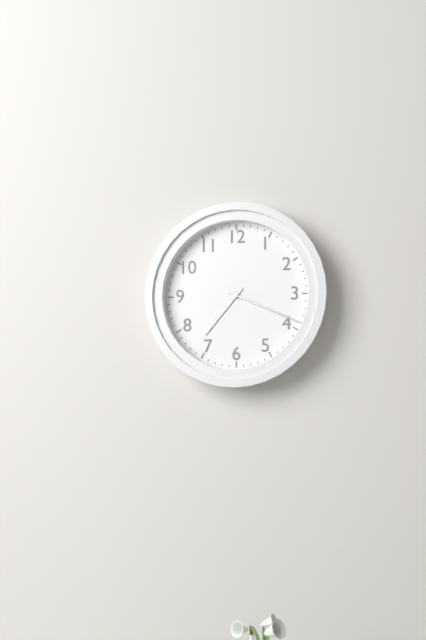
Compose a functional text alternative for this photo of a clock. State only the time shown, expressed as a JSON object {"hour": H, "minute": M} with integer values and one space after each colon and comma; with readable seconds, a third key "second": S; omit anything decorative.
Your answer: {"hour": 7, "minute": 19}
